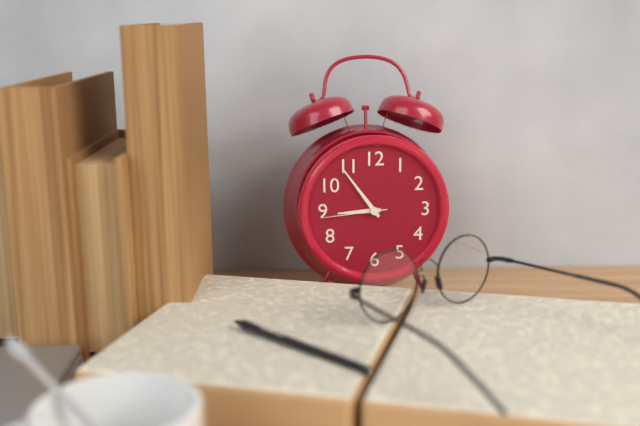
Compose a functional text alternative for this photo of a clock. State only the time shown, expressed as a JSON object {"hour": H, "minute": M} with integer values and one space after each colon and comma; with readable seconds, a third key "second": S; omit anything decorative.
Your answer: {"hour": 8, "minute": 54, "second": 44}
